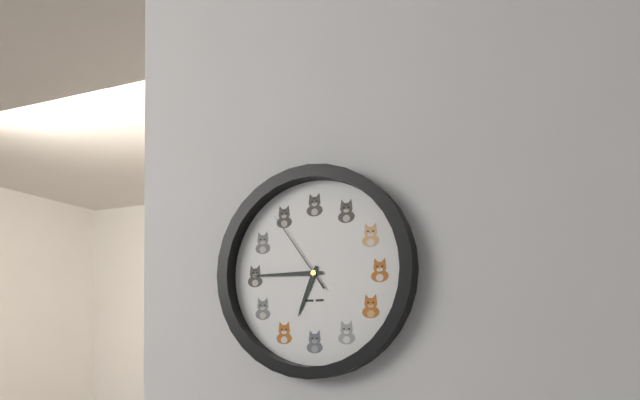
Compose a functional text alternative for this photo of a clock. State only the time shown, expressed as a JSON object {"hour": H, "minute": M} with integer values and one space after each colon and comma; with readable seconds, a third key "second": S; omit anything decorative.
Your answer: {"hour": 6, "minute": 45, "second": 54}
